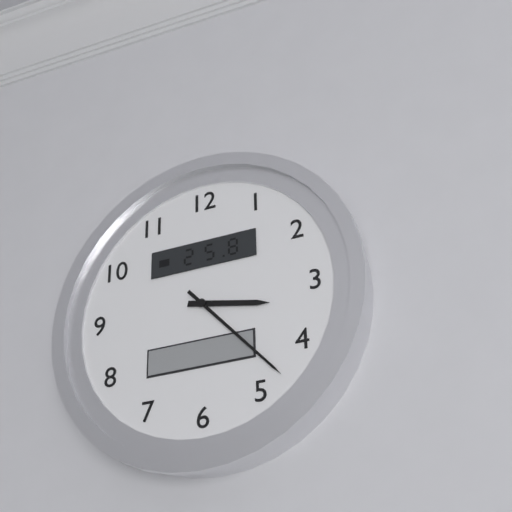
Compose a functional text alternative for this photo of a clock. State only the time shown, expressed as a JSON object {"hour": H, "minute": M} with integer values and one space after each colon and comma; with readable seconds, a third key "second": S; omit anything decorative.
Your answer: {"hour": 3, "minute": 23}
